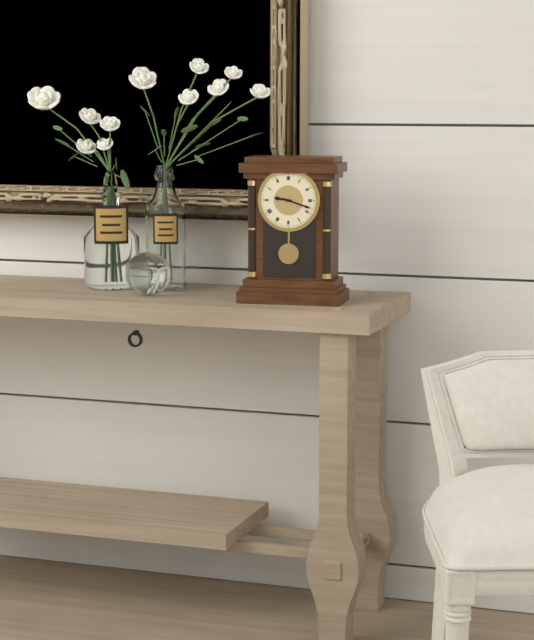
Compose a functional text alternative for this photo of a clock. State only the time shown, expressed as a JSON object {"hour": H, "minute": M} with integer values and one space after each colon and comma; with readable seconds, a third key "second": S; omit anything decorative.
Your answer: {"hour": 9, "minute": 18}
